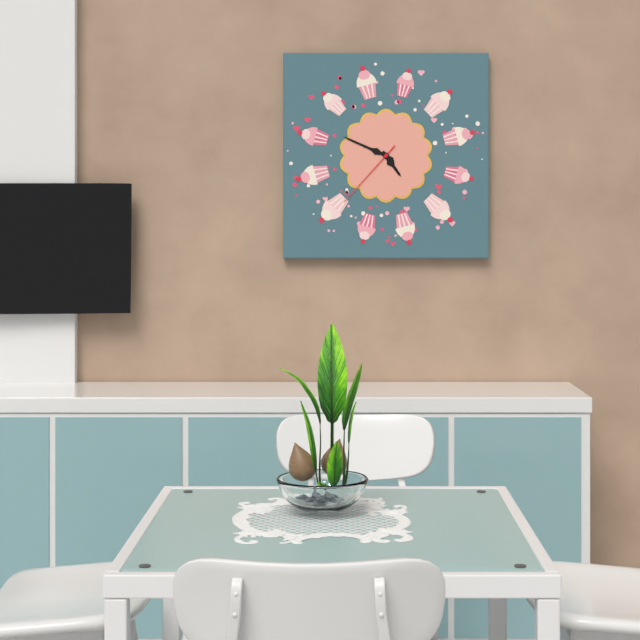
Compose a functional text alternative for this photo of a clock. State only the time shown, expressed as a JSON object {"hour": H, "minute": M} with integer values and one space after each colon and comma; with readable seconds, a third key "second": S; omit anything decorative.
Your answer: {"hour": 4, "minute": 49, "second": 37}
